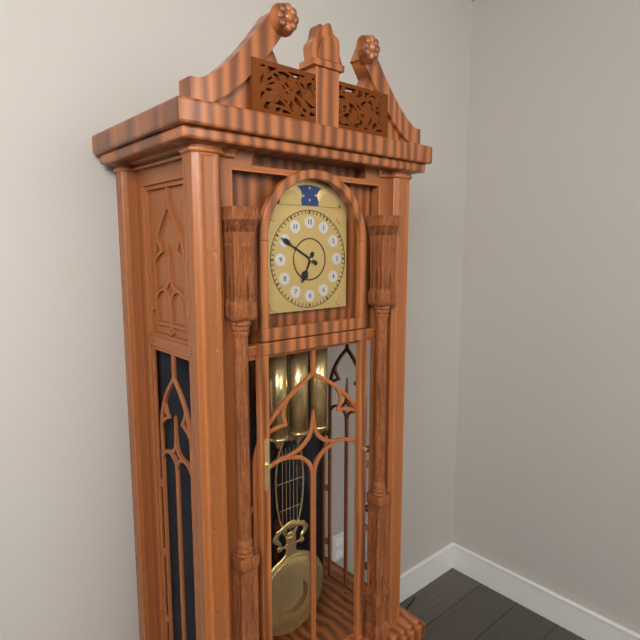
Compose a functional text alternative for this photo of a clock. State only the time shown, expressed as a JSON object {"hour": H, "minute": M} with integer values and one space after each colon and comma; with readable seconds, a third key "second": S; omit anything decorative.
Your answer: {"hour": 6, "minute": 50}
